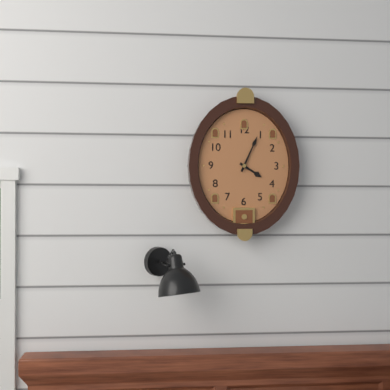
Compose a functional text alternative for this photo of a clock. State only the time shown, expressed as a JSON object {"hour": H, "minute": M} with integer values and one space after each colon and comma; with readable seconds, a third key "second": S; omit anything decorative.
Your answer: {"hour": 4, "minute": 4}
